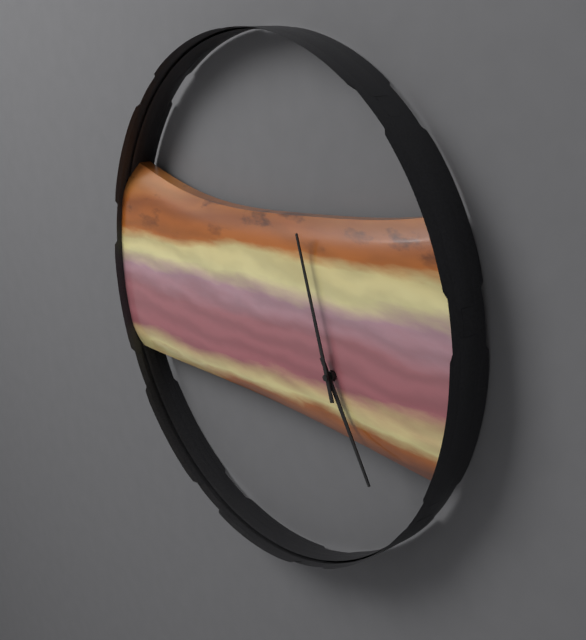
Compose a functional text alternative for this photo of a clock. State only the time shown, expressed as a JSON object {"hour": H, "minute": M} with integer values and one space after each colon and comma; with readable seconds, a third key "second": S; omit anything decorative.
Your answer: {"hour": 4, "minute": 57}
